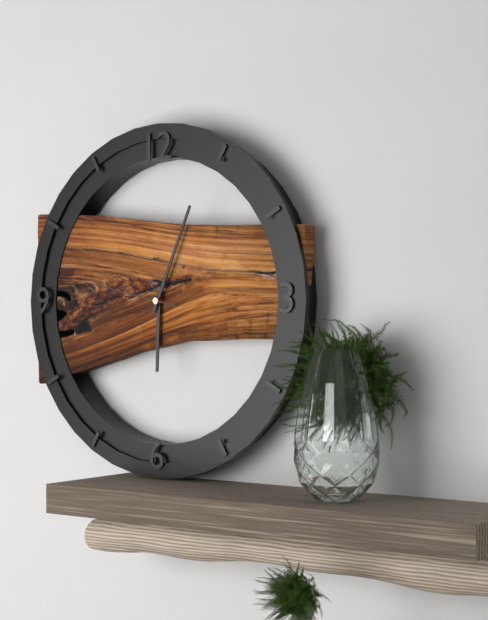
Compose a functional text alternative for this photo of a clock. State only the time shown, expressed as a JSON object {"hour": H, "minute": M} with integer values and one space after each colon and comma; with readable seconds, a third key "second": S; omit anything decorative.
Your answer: {"hour": 6, "minute": 4, "second": 47}
